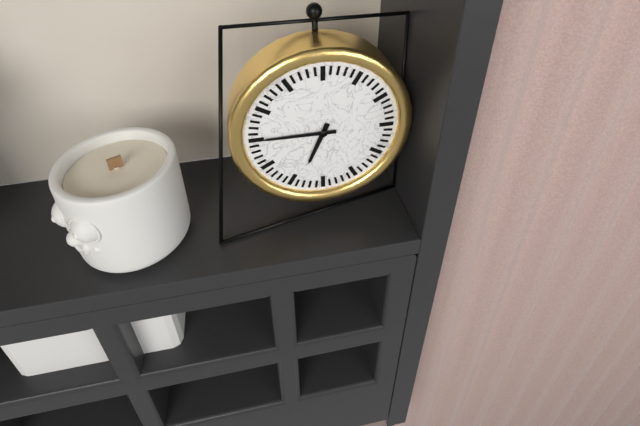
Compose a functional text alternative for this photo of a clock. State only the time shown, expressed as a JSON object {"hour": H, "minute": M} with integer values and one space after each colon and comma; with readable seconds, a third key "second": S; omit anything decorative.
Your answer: {"hour": 6, "minute": 45}
